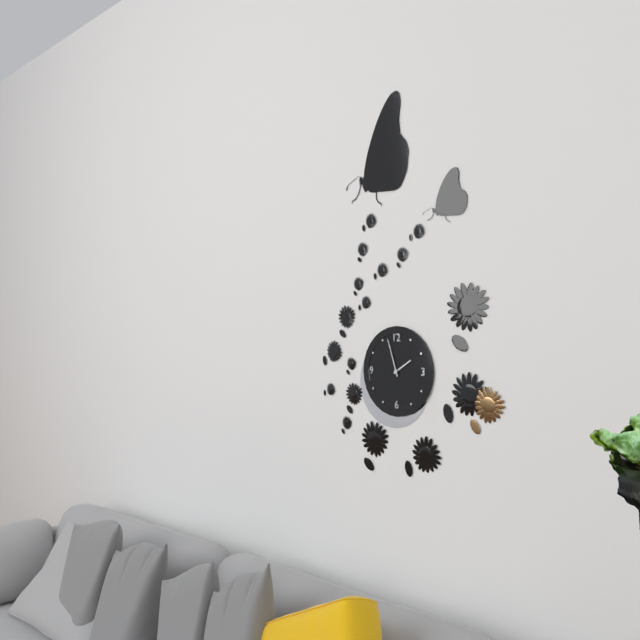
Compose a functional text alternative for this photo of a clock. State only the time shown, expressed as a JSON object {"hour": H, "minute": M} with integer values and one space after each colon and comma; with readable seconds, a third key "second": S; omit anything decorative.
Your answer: {"hour": 1, "minute": 57}
